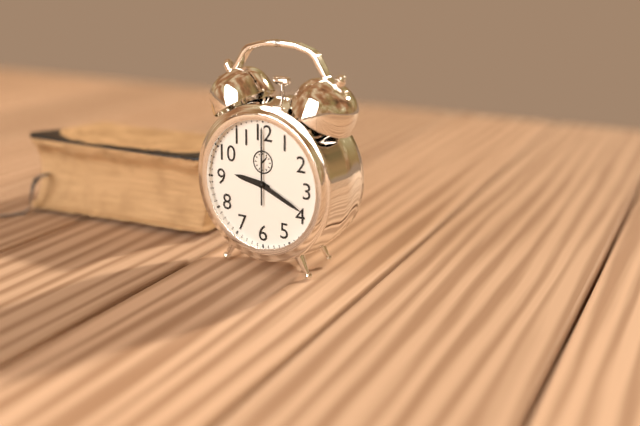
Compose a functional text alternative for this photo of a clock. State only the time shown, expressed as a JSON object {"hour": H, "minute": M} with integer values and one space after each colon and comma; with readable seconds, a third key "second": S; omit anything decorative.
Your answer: {"hour": 9, "minute": 19, "second": 0}
